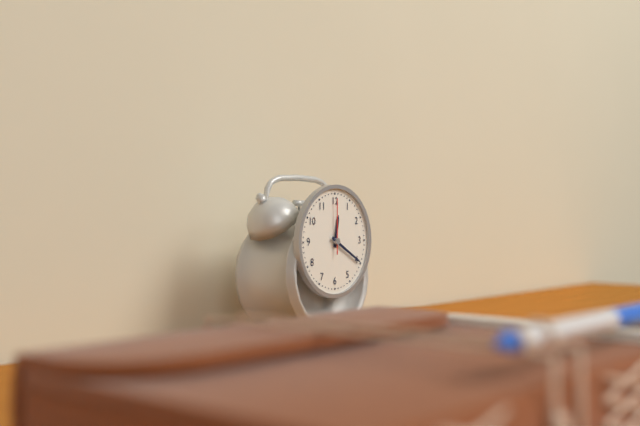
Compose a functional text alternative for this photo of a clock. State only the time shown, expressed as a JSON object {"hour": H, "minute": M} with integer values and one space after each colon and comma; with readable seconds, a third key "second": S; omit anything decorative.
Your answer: {"hour": 12, "minute": 20, "second": 0}
